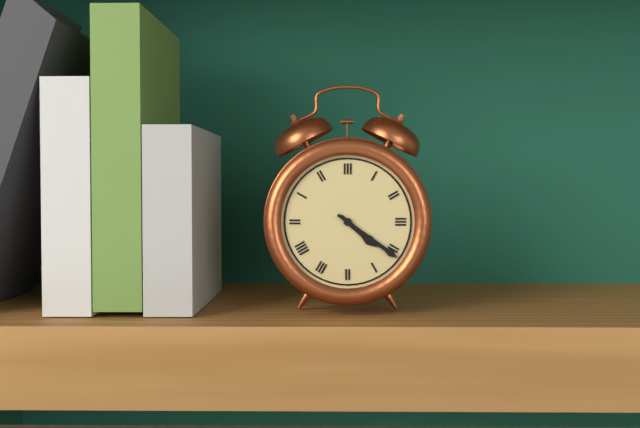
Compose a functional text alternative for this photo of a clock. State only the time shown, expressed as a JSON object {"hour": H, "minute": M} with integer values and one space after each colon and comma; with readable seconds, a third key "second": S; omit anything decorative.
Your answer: {"hour": 4, "minute": 21}
